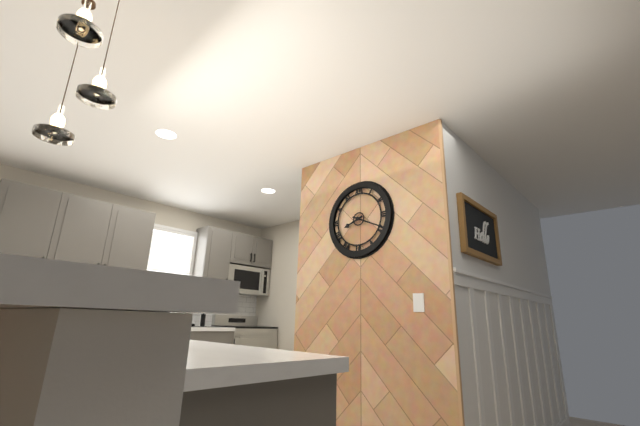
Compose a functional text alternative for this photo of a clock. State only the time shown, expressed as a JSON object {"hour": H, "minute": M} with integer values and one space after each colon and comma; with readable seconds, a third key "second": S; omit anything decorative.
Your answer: {"hour": 8, "minute": 19}
